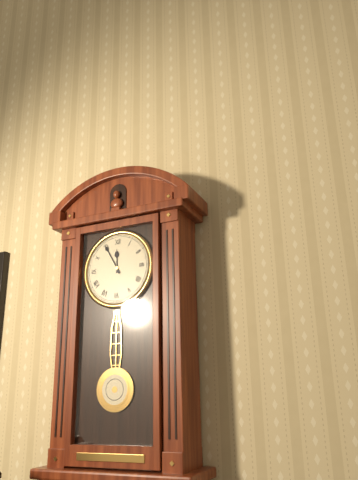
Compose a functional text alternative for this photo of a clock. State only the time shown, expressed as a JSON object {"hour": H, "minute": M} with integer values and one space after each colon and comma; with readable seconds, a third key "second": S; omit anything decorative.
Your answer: {"hour": 11, "minute": 55}
